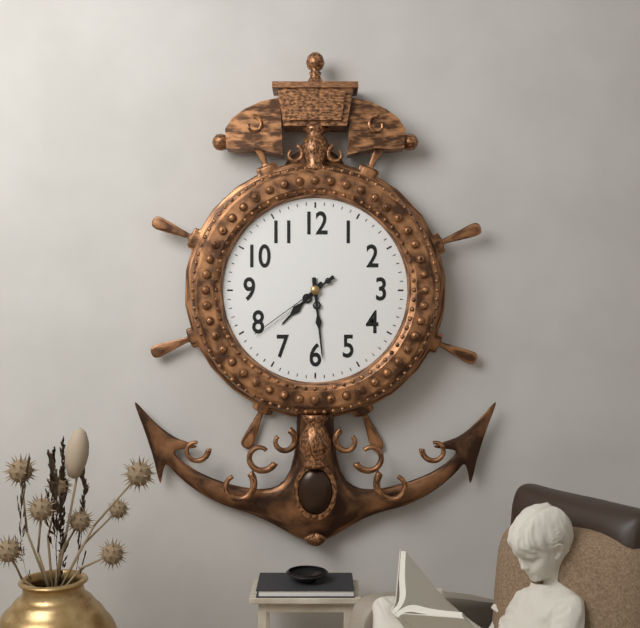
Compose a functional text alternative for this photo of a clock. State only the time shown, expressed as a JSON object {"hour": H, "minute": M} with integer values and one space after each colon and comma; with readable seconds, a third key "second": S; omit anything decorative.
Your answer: {"hour": 7, "minute": 29, "second": 39}
